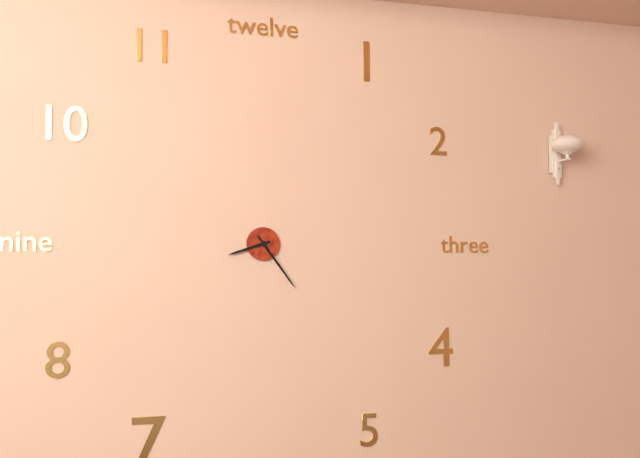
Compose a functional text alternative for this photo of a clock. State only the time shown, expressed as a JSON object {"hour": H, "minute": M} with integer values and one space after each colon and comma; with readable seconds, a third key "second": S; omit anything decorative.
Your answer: {"hour": 8, "minute": 24}
